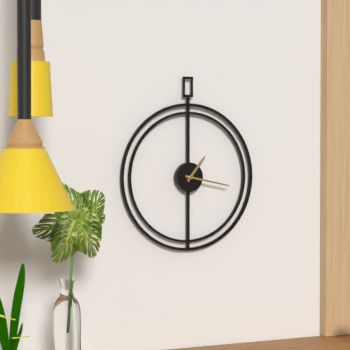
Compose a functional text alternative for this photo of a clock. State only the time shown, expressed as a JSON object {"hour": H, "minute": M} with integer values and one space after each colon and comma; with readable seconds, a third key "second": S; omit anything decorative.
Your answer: {"hour": 1, "minute": 17}
